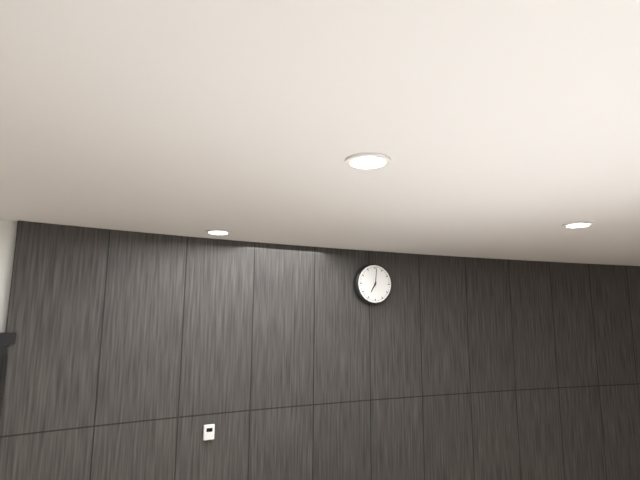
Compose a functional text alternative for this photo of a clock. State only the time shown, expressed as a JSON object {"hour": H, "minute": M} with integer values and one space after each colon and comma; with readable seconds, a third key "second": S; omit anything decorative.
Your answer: {"hour": 7, "minute": 1}
